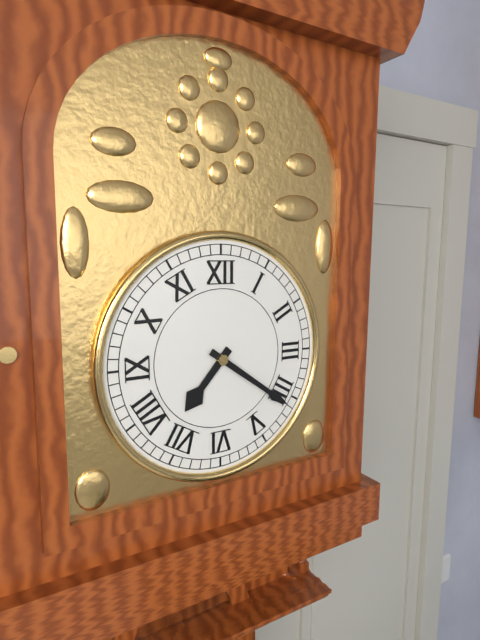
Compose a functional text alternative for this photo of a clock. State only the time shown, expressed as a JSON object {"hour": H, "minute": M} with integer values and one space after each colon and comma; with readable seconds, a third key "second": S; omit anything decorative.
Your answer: {"hour": 7, "minute": 21}
